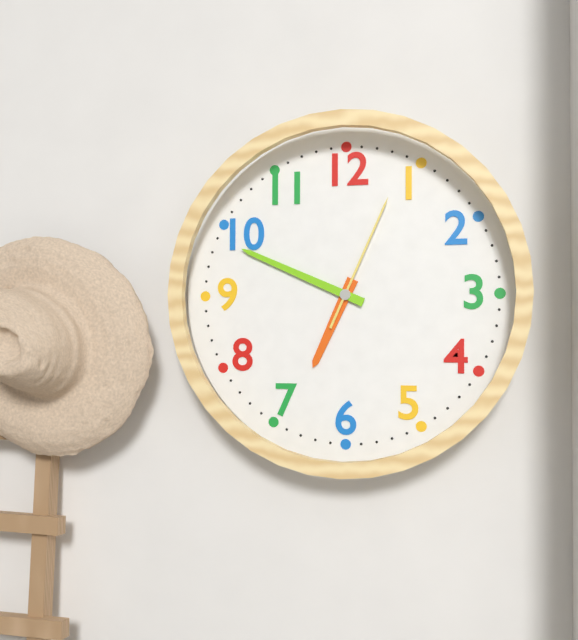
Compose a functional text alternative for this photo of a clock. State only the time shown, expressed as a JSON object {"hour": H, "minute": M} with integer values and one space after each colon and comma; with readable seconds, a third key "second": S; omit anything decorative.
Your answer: {"hour": 6, "minute": 49, "second": 4}
